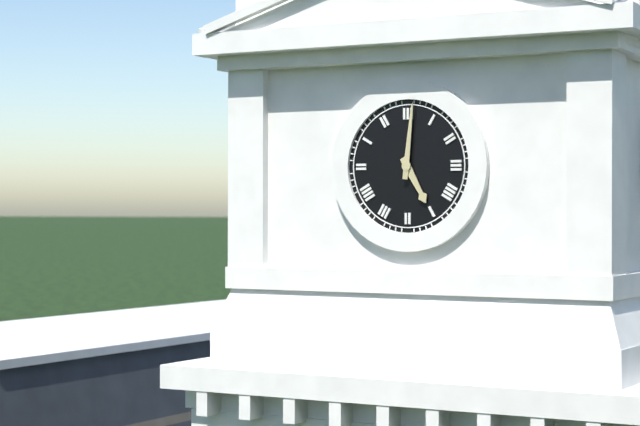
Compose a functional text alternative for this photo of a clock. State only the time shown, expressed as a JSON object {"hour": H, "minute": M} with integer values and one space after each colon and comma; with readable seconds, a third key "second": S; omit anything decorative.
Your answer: {"hour": 5, "minute": 1}
